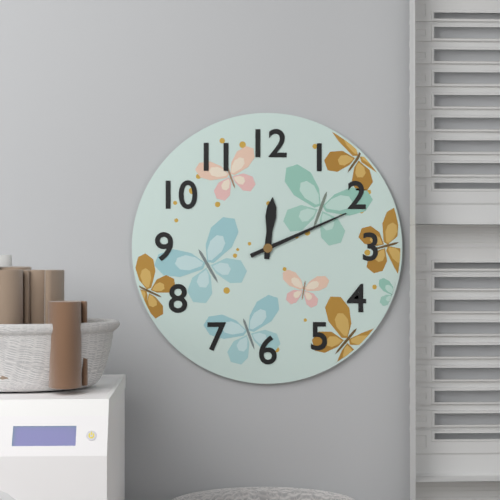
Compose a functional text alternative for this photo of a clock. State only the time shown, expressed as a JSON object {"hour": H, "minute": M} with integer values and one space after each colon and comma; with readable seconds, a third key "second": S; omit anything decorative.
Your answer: {"hour": 12, "minute": 11}
